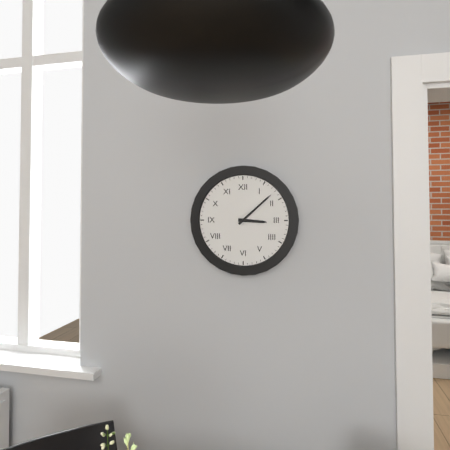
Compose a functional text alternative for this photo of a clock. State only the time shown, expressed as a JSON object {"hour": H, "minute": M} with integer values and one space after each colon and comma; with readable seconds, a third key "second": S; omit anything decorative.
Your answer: {"hour": 3, "minute": 8}
